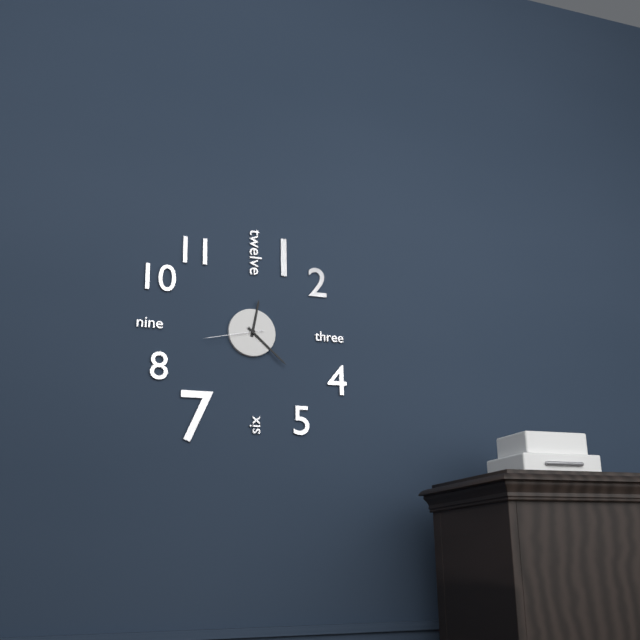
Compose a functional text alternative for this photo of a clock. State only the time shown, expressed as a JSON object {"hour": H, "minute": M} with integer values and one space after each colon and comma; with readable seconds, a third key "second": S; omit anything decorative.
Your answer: {"hour": 12, "minute": 22, "second": 43}
